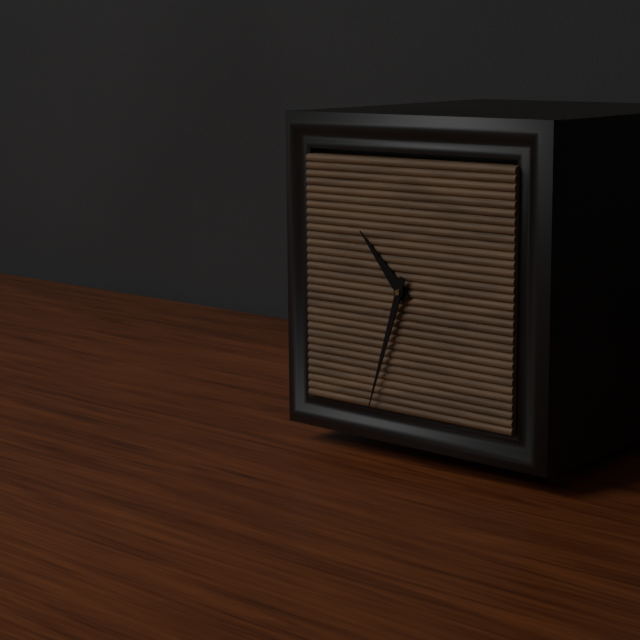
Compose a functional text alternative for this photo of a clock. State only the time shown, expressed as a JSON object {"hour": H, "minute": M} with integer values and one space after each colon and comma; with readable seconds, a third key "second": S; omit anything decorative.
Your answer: {"hour": 10, "minute": 33}
